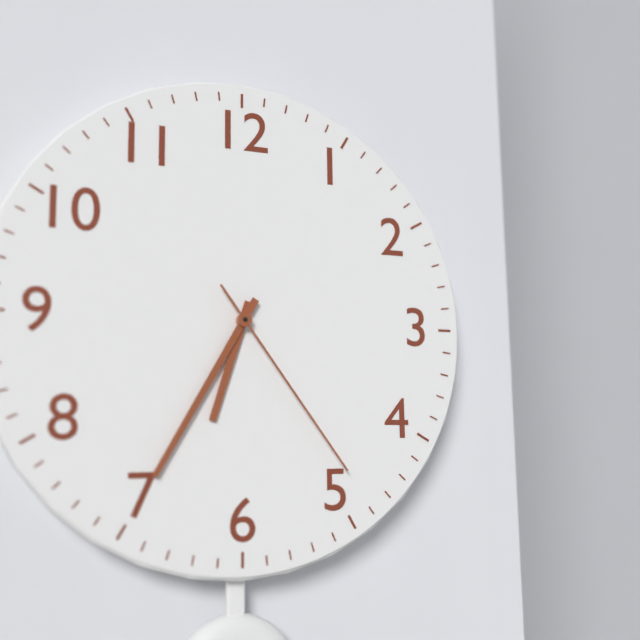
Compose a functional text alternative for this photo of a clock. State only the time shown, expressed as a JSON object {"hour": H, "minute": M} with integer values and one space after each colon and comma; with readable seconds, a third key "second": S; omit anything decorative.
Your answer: {"hour": 6, "minute": 35, "second": 24}
